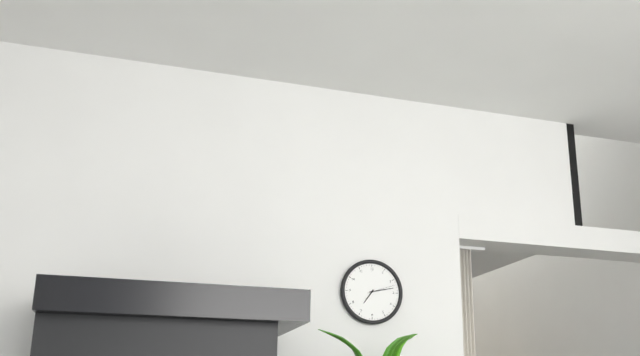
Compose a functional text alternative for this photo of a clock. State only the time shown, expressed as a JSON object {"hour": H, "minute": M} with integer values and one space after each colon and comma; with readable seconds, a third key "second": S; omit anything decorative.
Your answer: {"hour": 7, "minute": 13}
